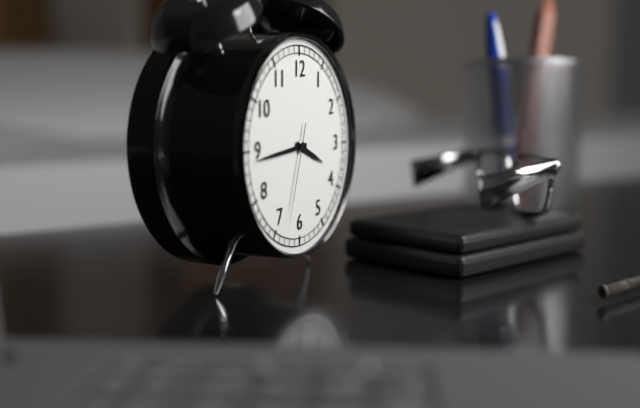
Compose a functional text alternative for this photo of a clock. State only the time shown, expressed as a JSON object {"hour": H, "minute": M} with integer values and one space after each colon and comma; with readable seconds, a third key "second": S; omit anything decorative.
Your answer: {"hour": 3, "minute": 44, "second": 33}
